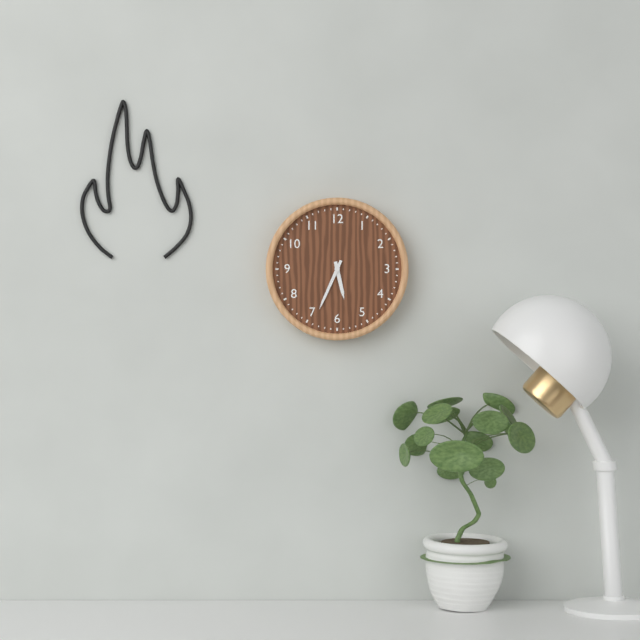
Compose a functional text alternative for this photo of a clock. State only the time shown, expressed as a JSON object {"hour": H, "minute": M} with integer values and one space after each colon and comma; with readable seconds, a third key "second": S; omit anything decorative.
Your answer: {"hour": 5, "minute": 34}
